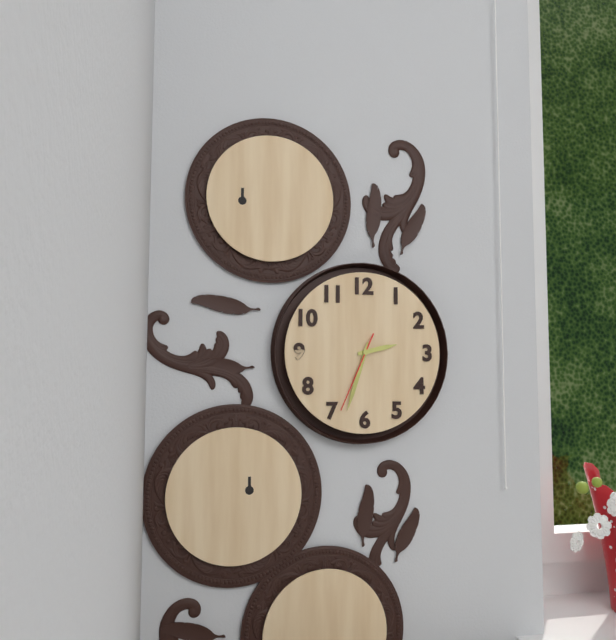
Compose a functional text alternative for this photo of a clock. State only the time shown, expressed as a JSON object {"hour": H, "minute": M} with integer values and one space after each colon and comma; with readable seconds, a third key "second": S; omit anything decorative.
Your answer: {"hour": 2, "minute": 33, "second": 34}
